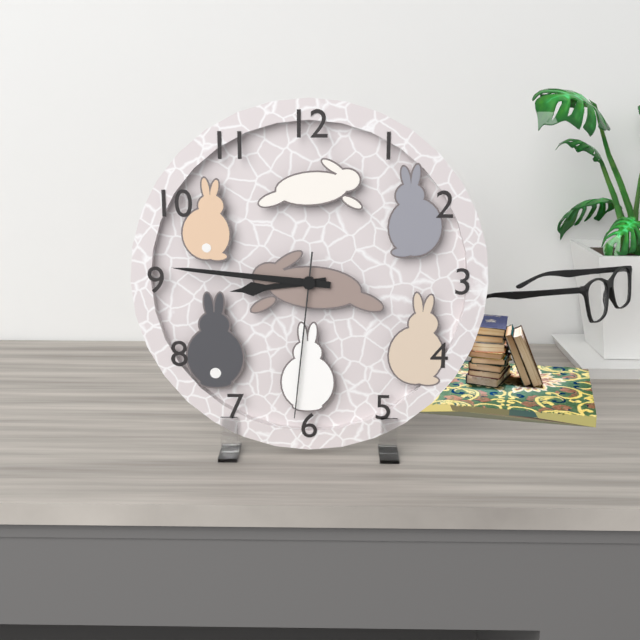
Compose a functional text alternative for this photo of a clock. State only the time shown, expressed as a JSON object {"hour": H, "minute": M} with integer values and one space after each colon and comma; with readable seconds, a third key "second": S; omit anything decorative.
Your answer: {"hour": 8, "minute": 46, "second": 31}
